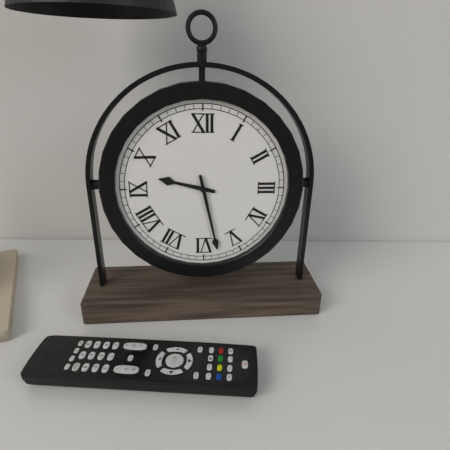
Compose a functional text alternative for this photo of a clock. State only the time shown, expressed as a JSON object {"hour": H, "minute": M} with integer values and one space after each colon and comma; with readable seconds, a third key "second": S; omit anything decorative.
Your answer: {"hour": 9, "minute": 28}
